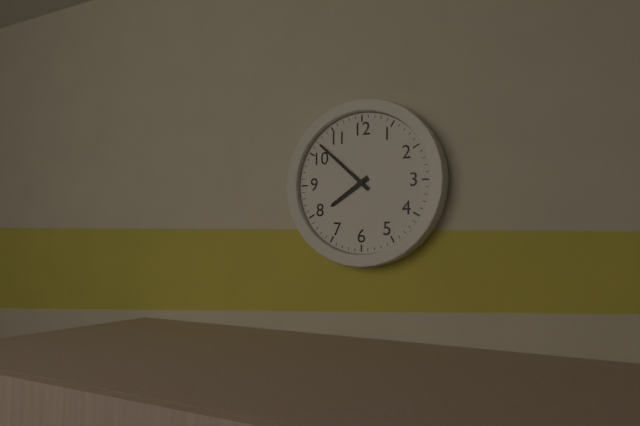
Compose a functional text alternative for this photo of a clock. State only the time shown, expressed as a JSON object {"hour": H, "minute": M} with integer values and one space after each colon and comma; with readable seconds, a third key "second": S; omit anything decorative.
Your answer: {"hour": 7, "minute": 52}
